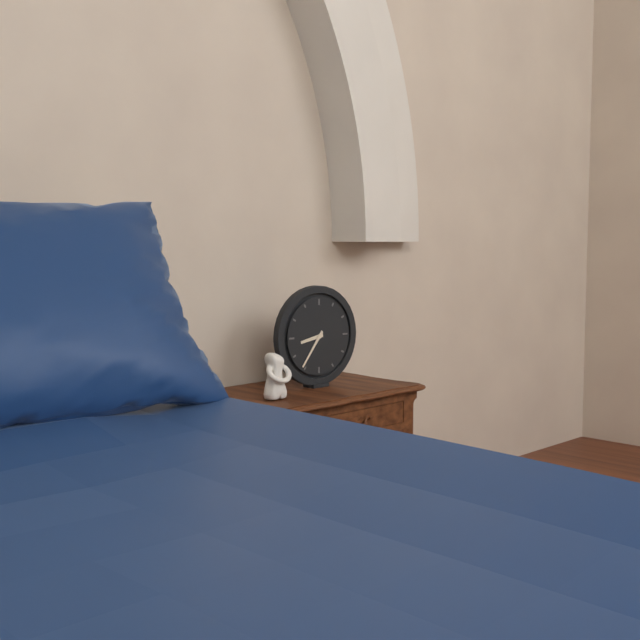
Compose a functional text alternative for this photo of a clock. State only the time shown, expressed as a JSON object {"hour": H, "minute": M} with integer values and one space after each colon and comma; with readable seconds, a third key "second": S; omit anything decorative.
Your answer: {"hour": 8, "minute": 36}
